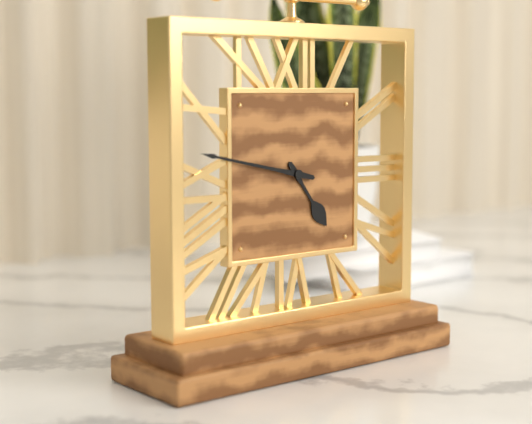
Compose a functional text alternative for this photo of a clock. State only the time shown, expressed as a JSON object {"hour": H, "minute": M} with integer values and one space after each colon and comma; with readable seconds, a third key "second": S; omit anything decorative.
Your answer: {"hour": 4, "minute": 47}
